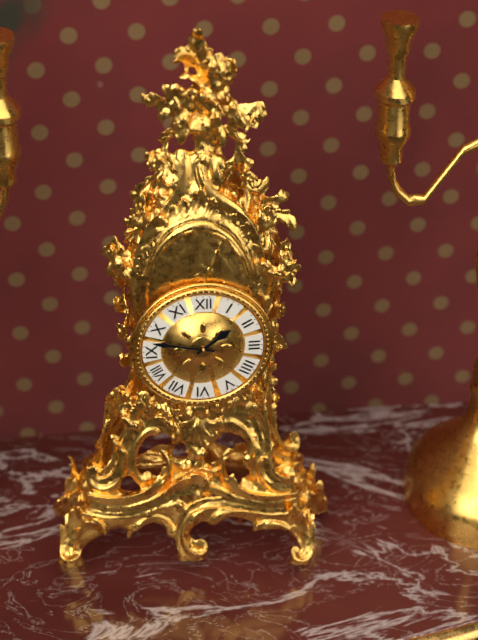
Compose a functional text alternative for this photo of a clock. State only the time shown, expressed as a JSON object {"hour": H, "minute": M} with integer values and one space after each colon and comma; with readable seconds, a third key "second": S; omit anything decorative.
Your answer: {"hour": 1, "minute": 47}
